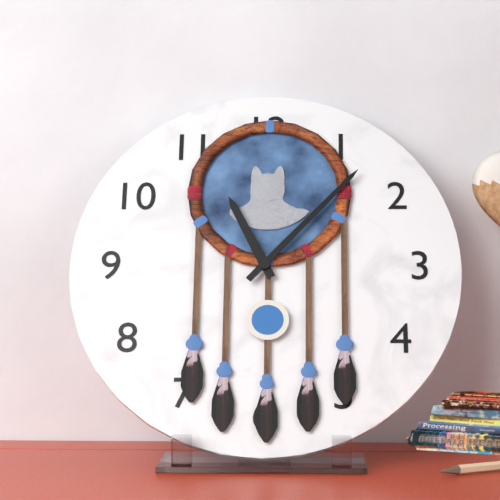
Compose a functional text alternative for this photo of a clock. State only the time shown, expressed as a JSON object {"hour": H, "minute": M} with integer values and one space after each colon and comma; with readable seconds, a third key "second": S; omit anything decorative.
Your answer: {"hour": 11, "minute": 7}
